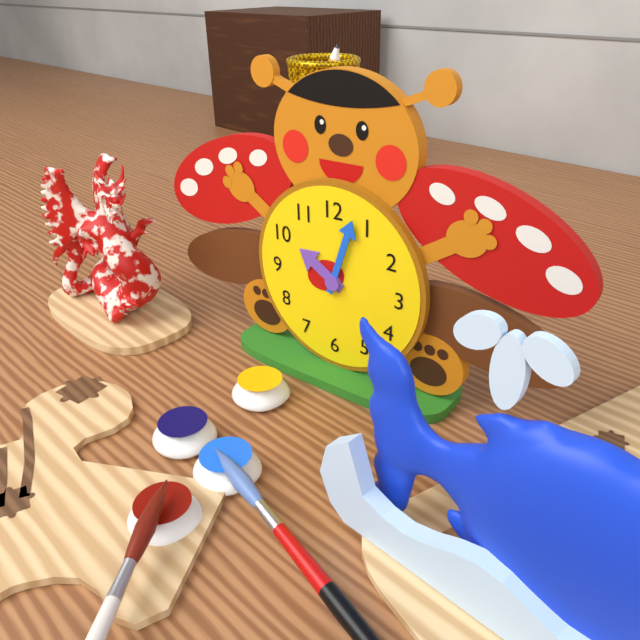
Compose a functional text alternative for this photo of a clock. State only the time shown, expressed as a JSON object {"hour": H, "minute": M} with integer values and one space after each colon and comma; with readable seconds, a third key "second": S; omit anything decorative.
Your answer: {"hour": 10, "minute": 3}
